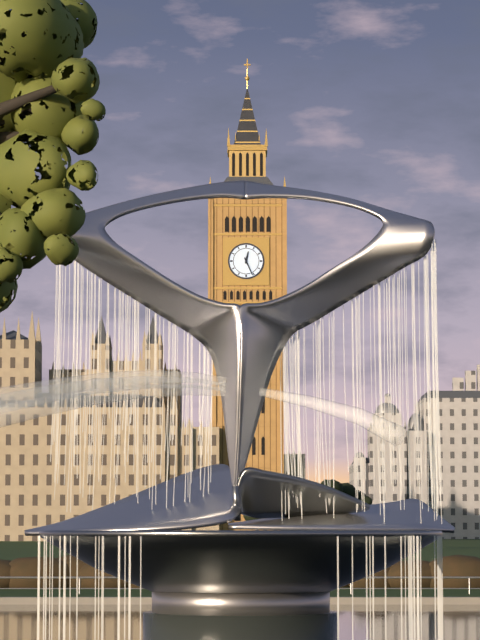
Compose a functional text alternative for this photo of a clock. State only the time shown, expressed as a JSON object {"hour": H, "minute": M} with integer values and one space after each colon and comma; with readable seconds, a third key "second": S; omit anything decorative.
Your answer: {"hour": 12, "minute": 26}
